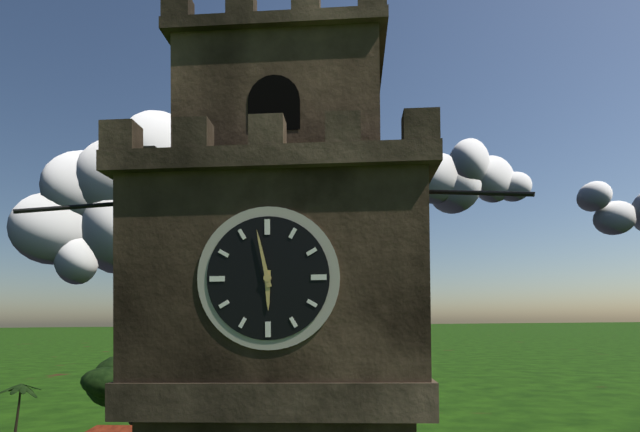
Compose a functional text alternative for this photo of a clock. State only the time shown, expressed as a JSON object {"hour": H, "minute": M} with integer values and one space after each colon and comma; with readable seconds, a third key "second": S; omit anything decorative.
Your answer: {"hour": 5, "minute": 58}
